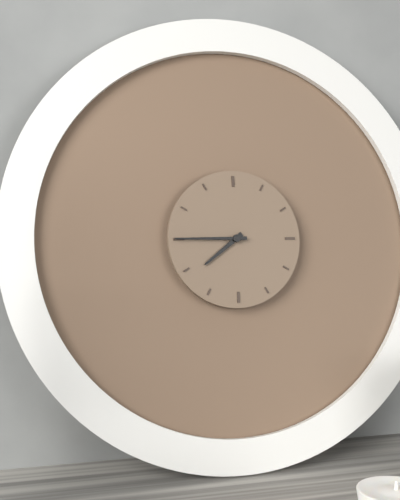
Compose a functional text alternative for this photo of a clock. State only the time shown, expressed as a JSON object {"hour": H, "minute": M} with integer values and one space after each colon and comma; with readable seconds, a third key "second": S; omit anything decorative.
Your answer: {"hour": 7, "minute": 45}
